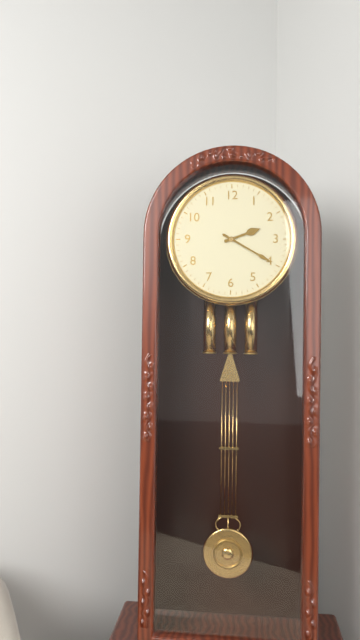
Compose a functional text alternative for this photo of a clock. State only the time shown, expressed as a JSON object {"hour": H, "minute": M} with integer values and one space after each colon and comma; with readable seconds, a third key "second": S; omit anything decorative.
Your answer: {"hour": 2, "minute": 20}
